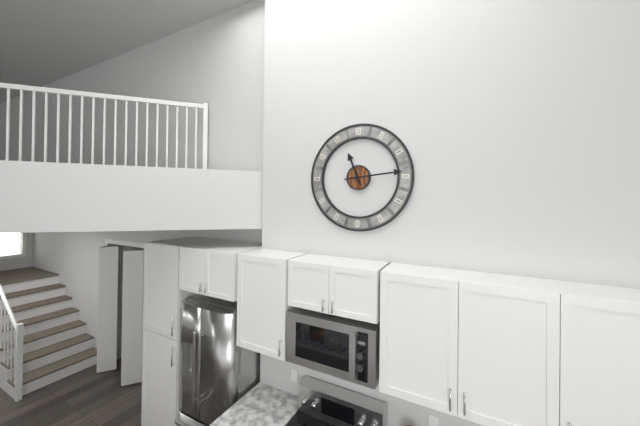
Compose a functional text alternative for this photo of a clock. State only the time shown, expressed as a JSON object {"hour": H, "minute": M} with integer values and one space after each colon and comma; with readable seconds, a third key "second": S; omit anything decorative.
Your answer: {"hour": 11, "minute": 14}
